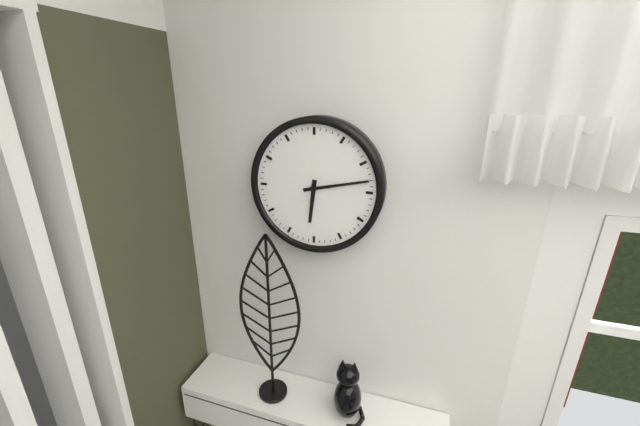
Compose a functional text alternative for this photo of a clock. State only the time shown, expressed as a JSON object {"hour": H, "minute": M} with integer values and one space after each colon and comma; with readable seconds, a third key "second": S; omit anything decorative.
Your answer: {"hour": 6, "minute": 13}
